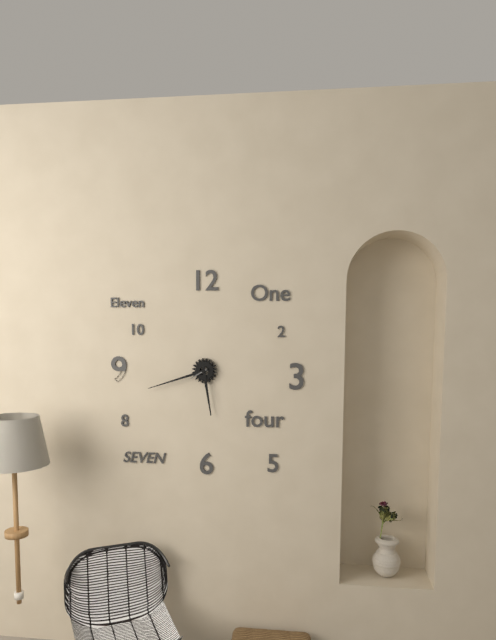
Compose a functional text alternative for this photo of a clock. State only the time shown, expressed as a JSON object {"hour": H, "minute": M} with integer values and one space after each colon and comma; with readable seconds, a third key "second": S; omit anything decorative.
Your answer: {"hour": 5, "minute": 42}
